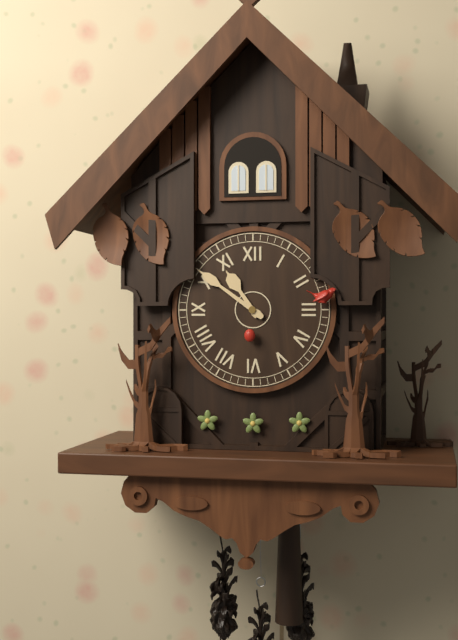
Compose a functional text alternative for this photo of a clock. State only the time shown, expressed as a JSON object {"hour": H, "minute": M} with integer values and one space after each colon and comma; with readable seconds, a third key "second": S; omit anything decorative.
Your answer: {"hour": 10, "minute": 51}
